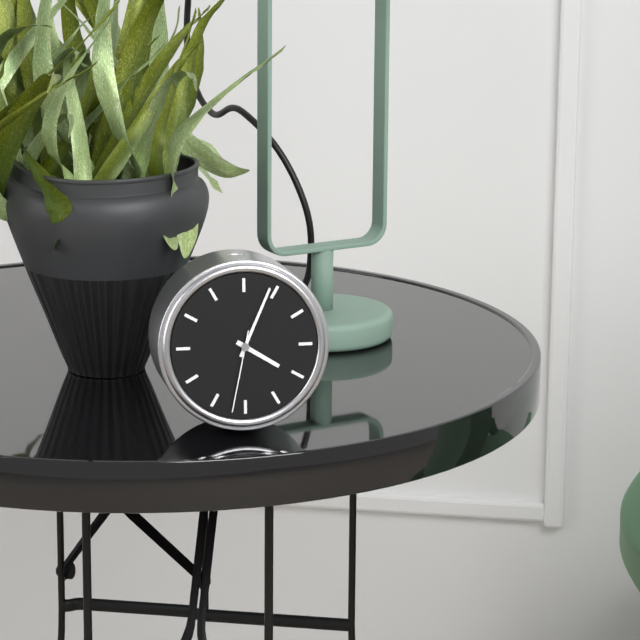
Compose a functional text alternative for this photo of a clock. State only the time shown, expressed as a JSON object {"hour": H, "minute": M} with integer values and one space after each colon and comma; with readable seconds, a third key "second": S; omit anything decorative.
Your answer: {"hour": 4, "minute": 4, "second": 32}
